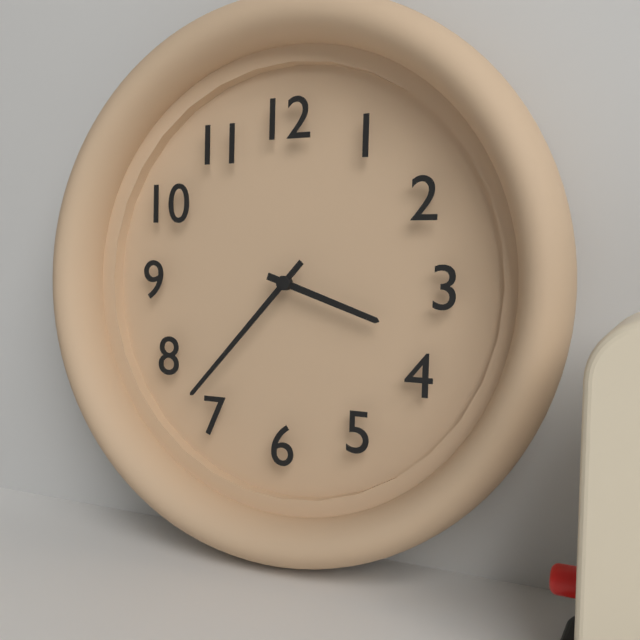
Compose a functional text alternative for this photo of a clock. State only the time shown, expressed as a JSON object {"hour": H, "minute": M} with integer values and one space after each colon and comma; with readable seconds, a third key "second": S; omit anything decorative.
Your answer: {"hour": 3, "minute": 37}
